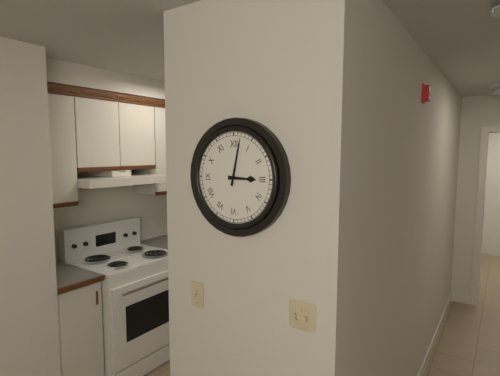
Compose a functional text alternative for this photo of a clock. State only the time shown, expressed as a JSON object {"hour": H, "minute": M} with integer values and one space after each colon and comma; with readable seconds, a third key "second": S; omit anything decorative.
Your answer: {"hour": 3, "minute": 2}
